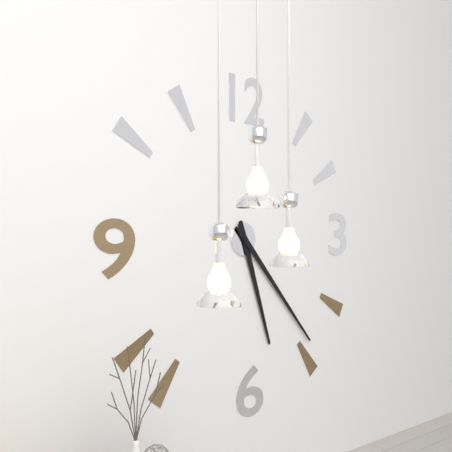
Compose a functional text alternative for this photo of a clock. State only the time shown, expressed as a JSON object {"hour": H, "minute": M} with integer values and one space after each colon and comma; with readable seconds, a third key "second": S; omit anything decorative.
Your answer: {"hour": 5, "minute": 23}
